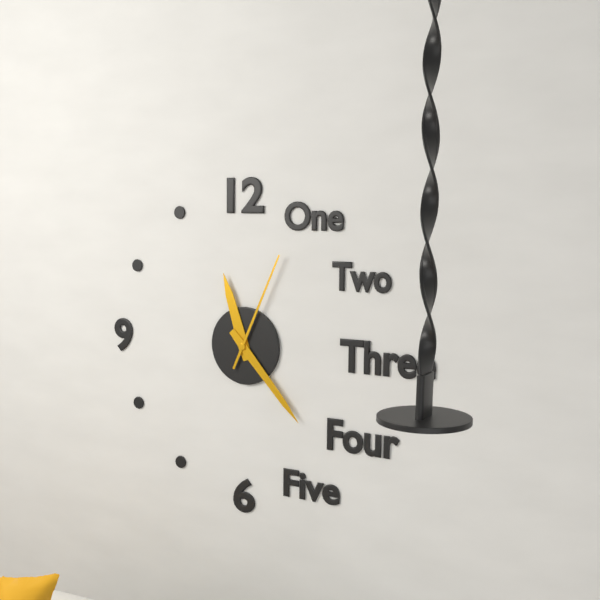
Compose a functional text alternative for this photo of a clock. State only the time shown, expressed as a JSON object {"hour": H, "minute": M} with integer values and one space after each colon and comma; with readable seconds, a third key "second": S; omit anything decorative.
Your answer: {"hour": 11, "minute": 23, "second": 4}
